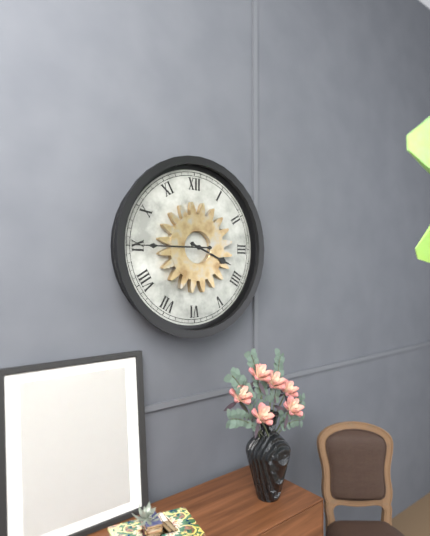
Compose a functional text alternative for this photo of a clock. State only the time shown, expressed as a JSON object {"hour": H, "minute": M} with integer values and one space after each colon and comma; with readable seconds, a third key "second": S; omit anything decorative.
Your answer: {"hour": 3, "minute": 45}
